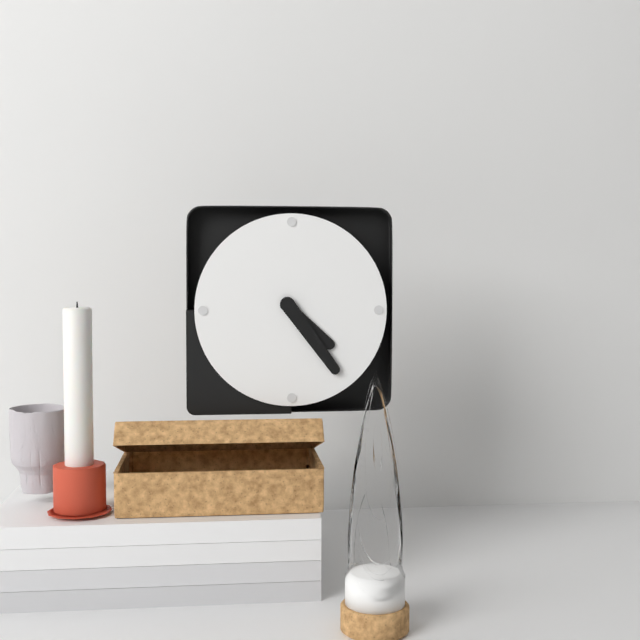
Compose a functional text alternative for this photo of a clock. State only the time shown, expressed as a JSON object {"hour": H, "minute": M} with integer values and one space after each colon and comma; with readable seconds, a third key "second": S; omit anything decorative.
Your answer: {"hour": 4, "minute": 24}
